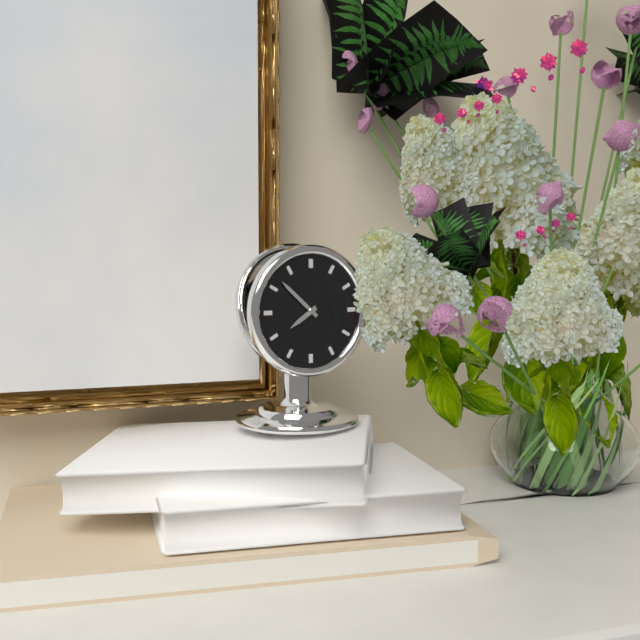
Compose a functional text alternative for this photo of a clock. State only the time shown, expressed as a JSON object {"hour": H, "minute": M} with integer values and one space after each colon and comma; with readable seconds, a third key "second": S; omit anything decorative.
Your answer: {"hour": 7, "minute": 52}
